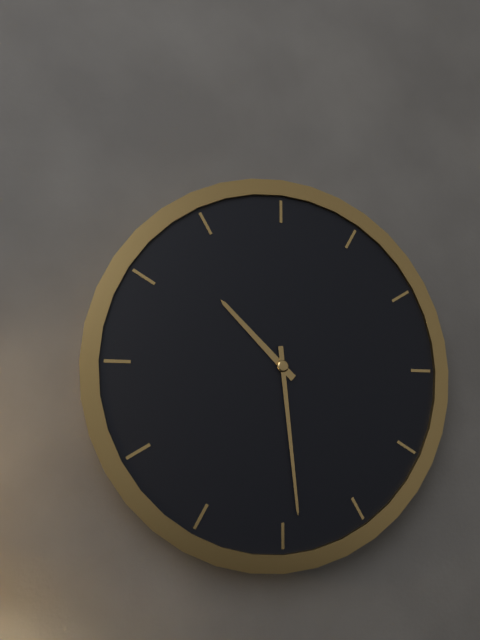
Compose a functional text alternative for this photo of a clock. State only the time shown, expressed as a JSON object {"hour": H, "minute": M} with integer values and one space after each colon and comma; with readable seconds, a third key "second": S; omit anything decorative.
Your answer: {"hour": 10, "minute": 29}
